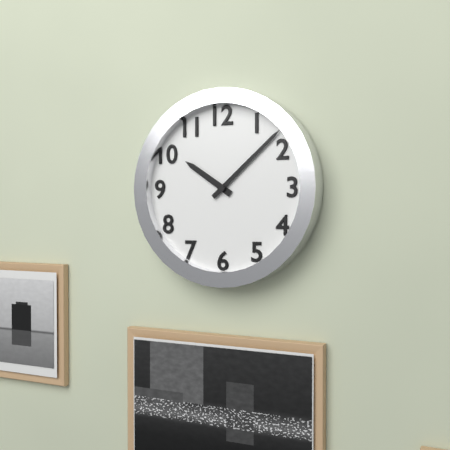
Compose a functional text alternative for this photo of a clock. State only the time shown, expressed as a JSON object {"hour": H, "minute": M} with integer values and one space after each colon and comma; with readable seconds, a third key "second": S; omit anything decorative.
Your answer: {"hour": 10, "minute": 8}
